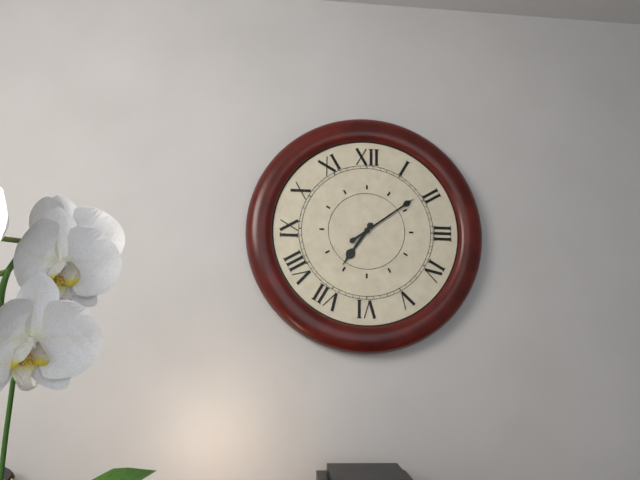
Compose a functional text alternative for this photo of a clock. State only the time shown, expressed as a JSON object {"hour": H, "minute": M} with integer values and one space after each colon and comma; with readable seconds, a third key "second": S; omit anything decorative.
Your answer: {"hour": 7, "minute": 9}
